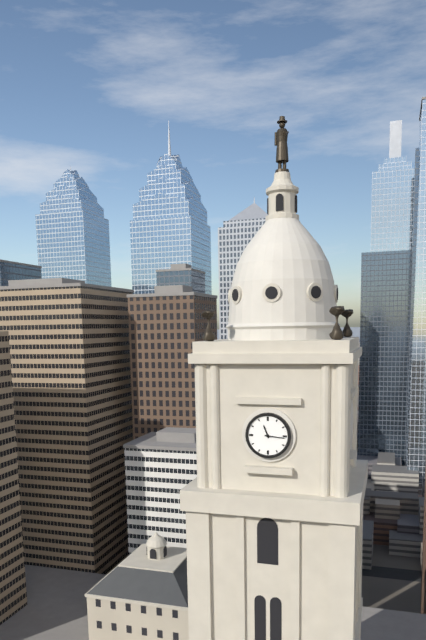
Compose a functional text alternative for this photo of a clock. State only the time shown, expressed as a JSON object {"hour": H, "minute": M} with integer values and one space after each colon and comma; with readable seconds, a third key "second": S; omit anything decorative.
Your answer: {"hour": 11, "minute": 16}
